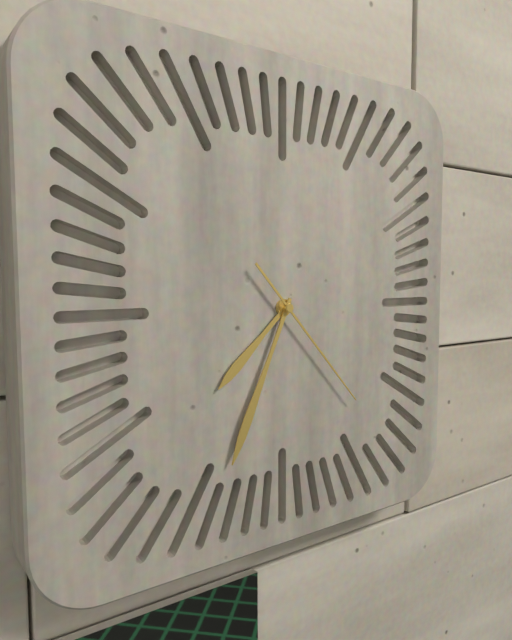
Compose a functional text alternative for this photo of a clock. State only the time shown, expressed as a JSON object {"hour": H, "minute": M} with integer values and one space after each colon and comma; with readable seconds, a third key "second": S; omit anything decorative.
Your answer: {"hour": 7, "minute": 34, "second": 23}
